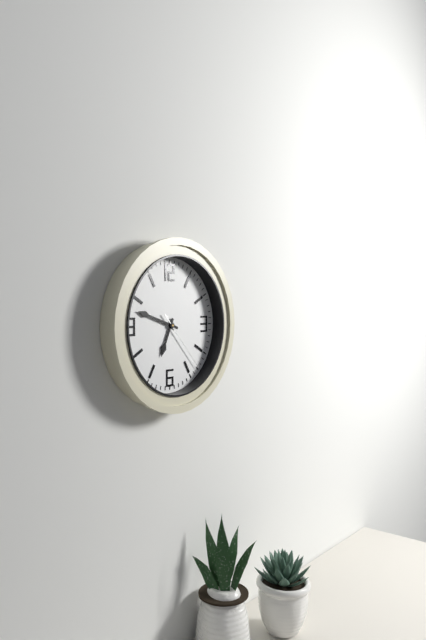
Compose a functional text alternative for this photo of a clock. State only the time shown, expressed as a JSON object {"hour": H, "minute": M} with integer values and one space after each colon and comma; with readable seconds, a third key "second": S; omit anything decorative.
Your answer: {"hour": 6, "minute": 48, "second": 23}
